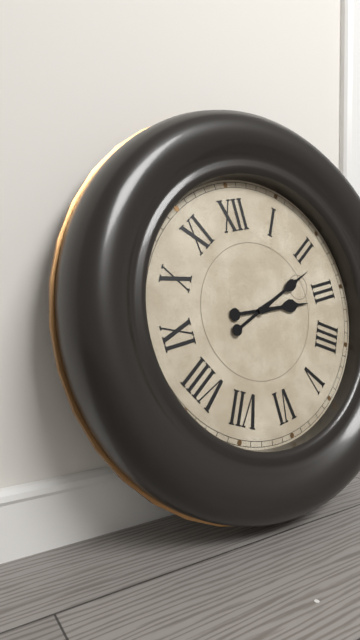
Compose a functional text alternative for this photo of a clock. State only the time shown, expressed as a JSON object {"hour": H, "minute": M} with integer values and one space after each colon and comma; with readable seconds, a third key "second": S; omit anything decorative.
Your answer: {"hour": 3, "minute": 12}
